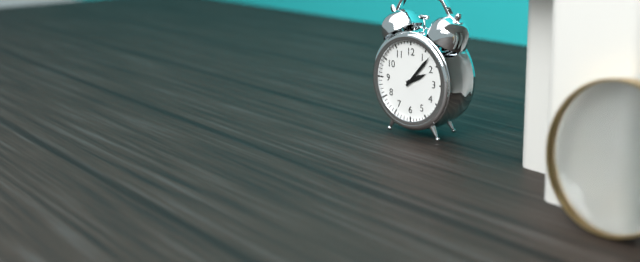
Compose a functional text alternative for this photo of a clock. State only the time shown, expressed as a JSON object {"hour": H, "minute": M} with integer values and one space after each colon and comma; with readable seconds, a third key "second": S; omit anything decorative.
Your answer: {"hour": 2, "minute": 7}
